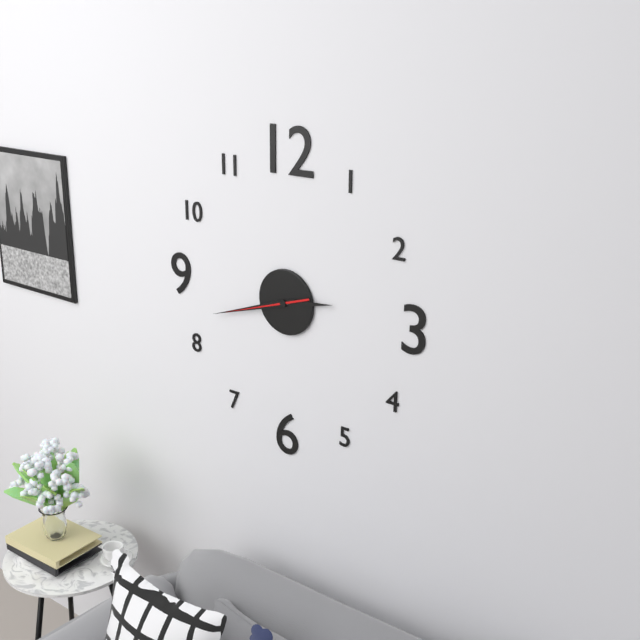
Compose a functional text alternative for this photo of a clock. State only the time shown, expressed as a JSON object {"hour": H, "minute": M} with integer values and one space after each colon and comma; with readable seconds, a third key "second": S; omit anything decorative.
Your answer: {"hour": 2, "minute": 42, "second": 42}
